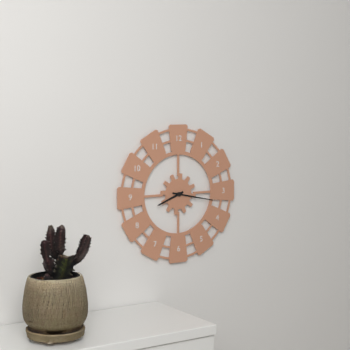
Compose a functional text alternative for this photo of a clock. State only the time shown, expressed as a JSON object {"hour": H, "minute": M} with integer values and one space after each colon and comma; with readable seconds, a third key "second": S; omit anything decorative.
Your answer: {"hour": 8, "minute": 17}
